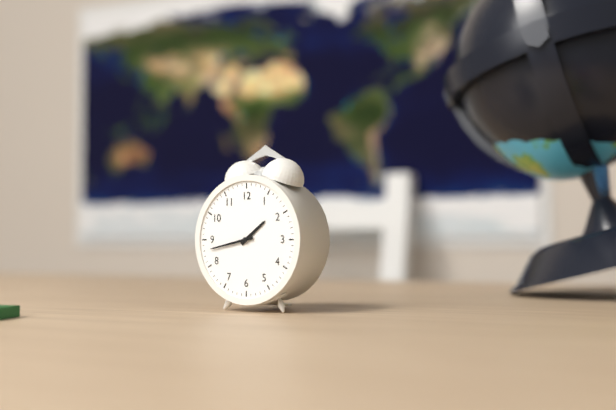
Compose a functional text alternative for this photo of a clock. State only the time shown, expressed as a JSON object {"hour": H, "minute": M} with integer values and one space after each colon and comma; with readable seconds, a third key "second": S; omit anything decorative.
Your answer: {"hour": 1, "minute": 43}
